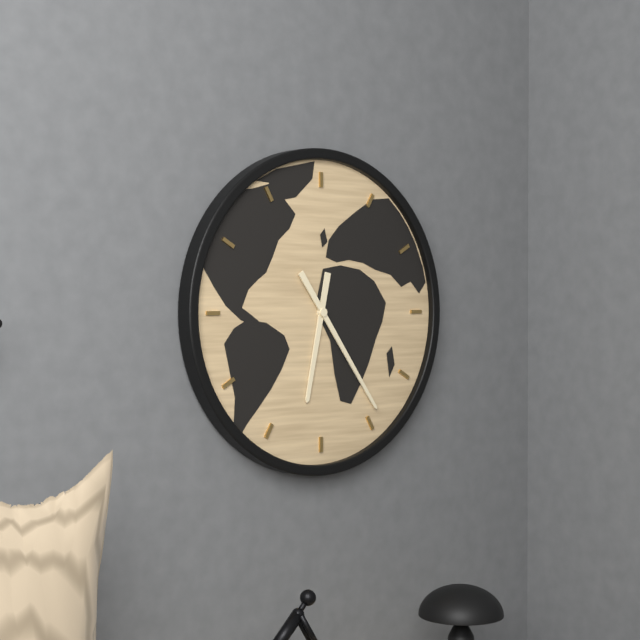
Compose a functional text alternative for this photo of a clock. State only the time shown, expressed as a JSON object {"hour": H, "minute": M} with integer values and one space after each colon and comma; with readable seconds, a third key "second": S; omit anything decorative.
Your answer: {"hour": 6, "minute": 24}
